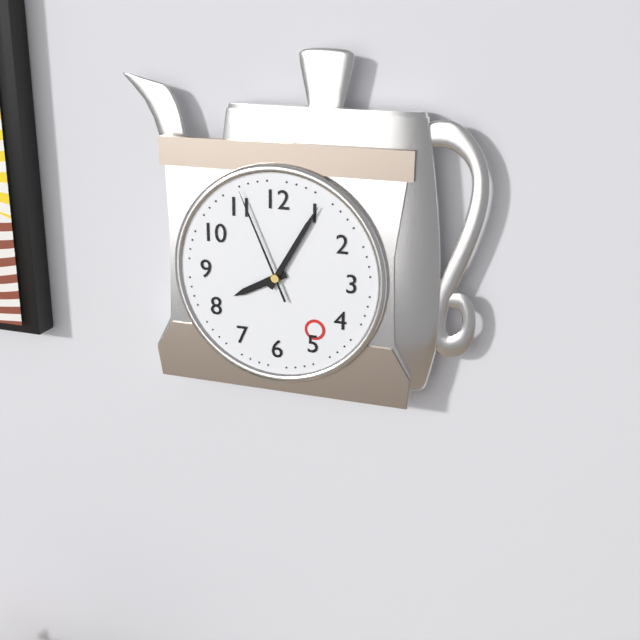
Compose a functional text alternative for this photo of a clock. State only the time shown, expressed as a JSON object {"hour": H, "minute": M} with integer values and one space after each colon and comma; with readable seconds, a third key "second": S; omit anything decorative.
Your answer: {"hour": 8, "minute": 5, "second": 56}
